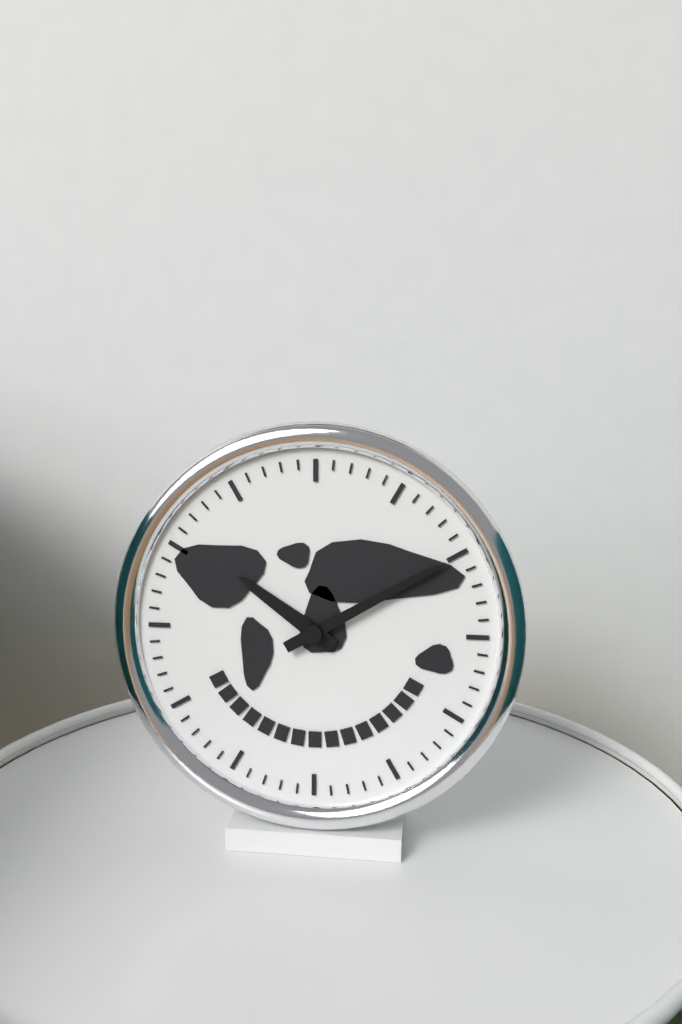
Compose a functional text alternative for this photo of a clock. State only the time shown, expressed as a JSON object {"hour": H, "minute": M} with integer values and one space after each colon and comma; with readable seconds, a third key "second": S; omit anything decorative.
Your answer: {"hour": 10, "minute": 10}
